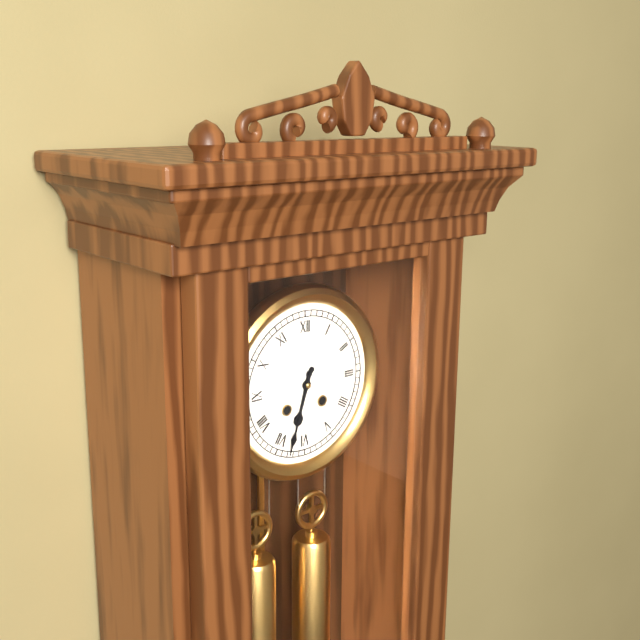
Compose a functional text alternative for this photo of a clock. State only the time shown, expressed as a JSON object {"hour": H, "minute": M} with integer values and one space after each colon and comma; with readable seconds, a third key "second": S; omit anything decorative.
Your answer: {"hour": 6, "minute": 33}
